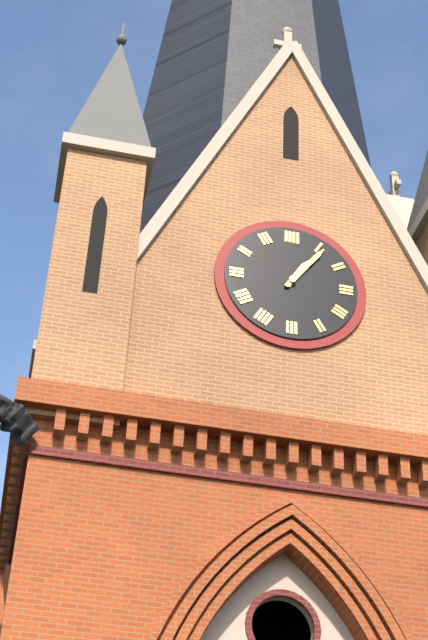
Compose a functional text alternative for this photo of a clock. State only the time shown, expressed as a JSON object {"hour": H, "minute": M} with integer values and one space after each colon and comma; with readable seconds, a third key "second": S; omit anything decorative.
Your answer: {"hour": 1, "minute": 6}
